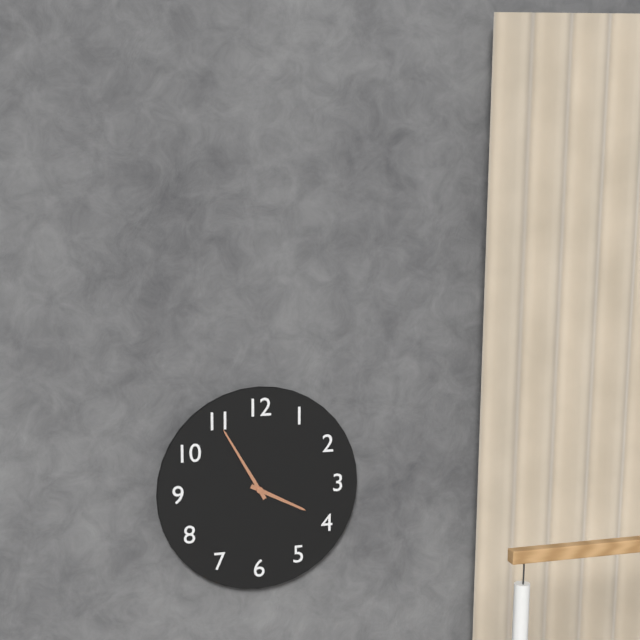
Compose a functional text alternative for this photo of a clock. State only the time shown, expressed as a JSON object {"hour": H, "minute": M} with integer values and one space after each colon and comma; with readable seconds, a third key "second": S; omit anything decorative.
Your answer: {"hour": 3, "minute": 55}
